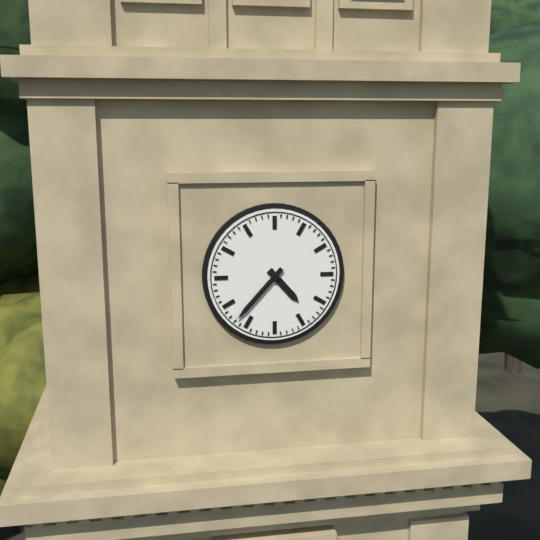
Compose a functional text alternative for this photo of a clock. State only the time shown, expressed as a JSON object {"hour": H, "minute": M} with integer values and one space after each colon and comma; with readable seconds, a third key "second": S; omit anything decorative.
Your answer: {"hour": 4, "minute": 37}
